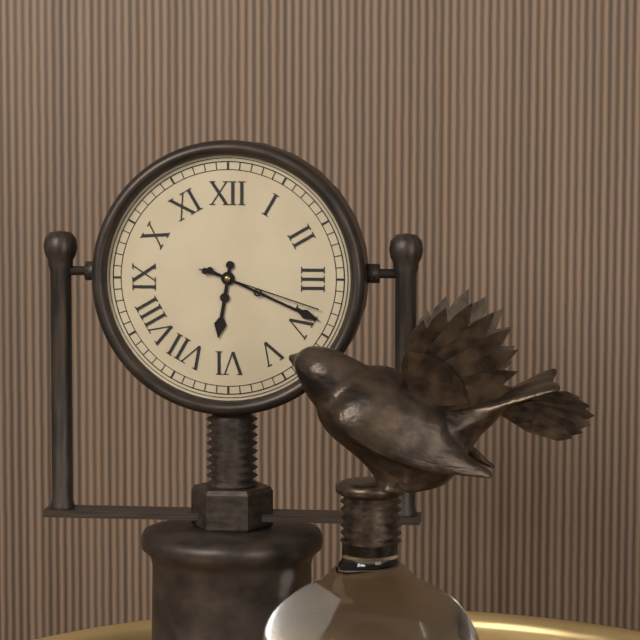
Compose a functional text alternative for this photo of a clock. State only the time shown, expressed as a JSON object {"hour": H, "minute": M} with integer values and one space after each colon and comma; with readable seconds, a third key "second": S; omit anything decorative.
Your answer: {"hour": 6, "minute": 19, "second": 18}
